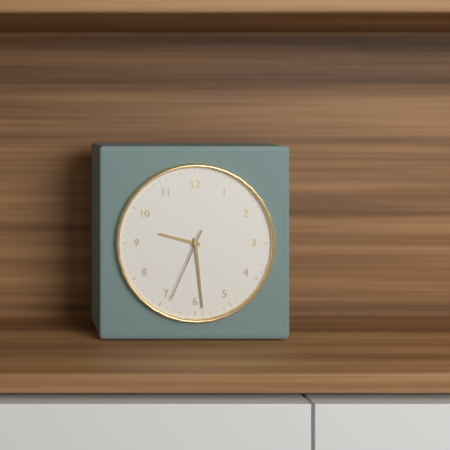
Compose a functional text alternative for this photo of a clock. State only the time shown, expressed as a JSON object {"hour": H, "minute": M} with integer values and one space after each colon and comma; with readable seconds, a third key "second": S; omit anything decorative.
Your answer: {"hour": 9, "minute": 29, "second": 34}
